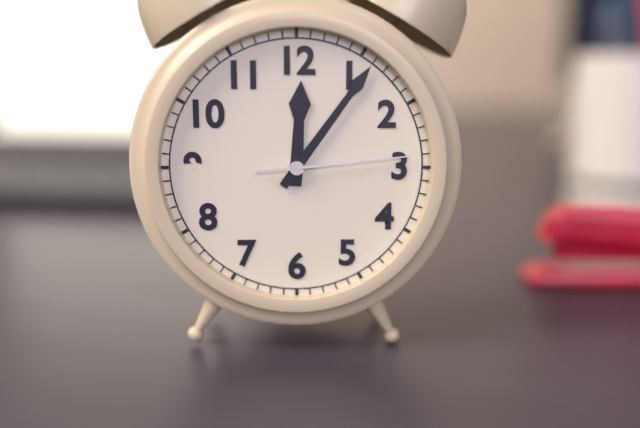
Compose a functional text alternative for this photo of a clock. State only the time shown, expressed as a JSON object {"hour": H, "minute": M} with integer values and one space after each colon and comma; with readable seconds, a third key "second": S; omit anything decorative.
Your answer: {"hour": 12, "minute": 6, "second": 14}
